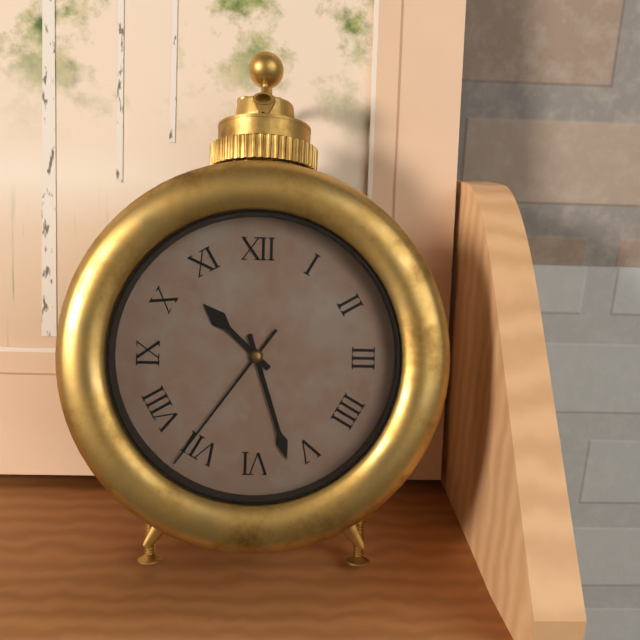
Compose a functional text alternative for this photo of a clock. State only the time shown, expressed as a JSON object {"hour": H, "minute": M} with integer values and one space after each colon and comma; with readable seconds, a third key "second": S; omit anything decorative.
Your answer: {"hour": 10, "minute": 27, "second": 36}
